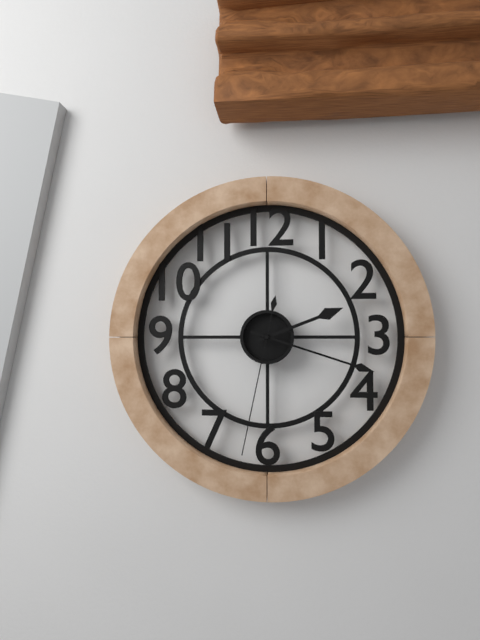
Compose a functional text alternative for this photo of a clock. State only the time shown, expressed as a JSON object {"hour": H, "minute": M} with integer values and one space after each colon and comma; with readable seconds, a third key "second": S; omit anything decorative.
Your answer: {"hour": 2, "minute": 18, "second": 32}
